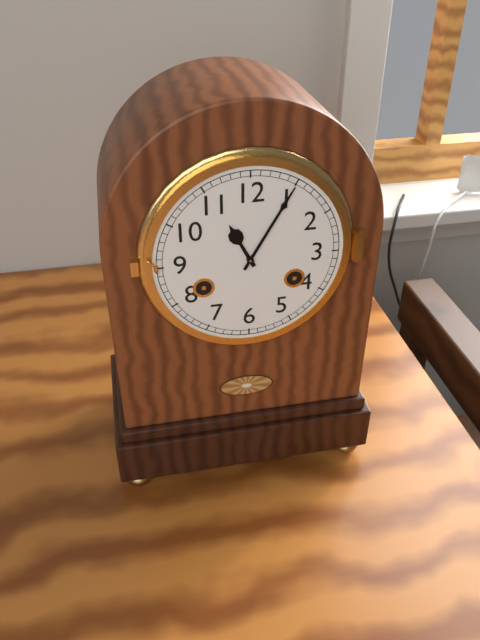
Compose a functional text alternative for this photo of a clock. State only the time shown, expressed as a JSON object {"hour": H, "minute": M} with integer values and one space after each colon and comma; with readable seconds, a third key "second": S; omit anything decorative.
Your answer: {"hour": 11, "minute": 5}
